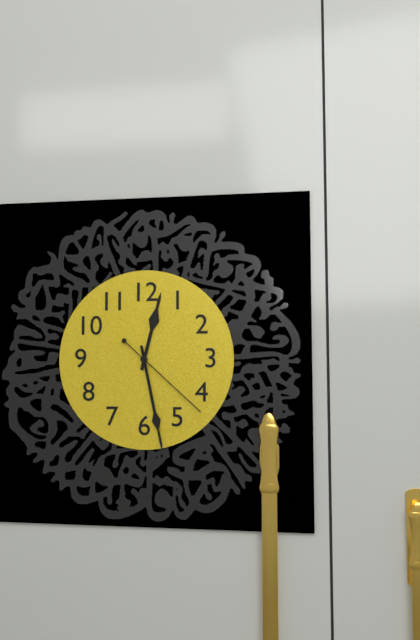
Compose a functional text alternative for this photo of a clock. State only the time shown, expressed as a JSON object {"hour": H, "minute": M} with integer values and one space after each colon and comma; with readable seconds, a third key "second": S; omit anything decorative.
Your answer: {"hour": 12, "minute": 28, "second": 22}
